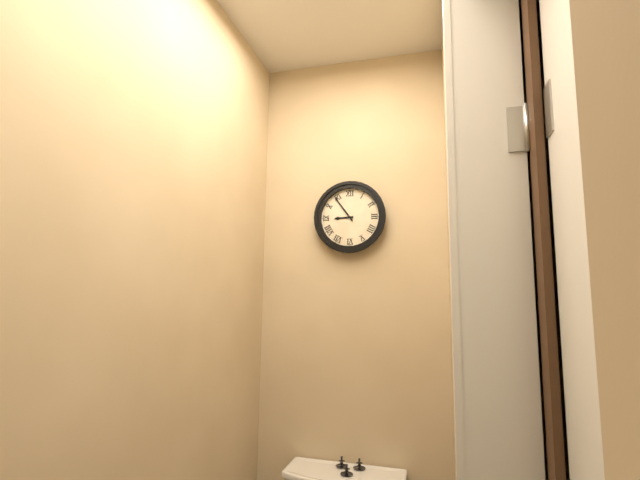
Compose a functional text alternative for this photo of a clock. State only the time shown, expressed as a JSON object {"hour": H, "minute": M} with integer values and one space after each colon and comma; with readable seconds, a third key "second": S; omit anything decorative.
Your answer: {"hour": 8, "minute": 54}
